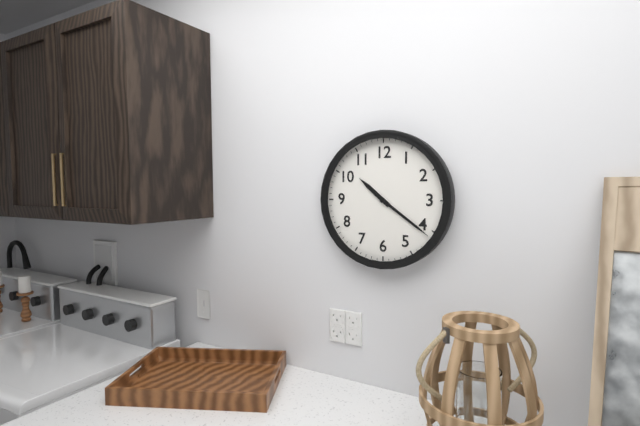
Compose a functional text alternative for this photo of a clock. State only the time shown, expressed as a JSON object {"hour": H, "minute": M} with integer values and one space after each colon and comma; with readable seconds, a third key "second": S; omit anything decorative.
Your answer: {"hour": 10, "minute": 21}
